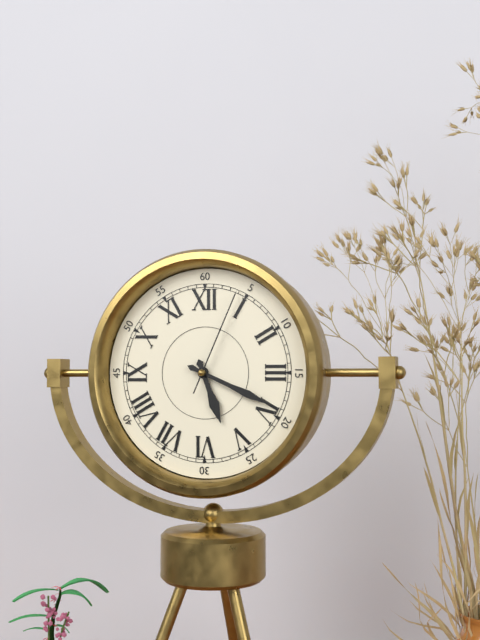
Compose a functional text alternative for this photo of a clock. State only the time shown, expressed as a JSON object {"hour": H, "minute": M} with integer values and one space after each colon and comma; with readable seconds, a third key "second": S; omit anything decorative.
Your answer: {"hour": 5, "minute": 19, "second": 4}
